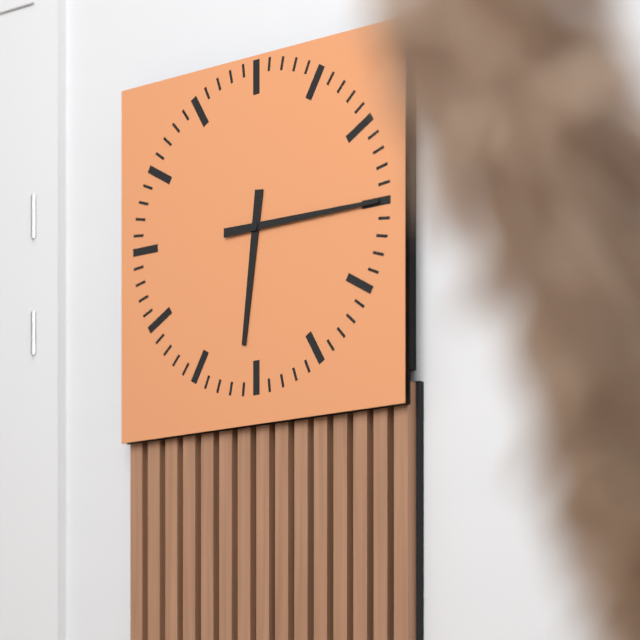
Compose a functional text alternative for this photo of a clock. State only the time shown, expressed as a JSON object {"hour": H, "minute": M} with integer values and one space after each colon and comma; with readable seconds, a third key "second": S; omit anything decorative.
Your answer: {"hour": 6, "minute": 15}
